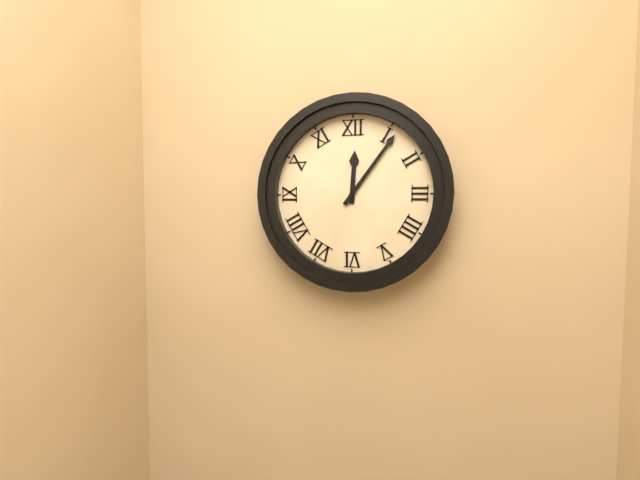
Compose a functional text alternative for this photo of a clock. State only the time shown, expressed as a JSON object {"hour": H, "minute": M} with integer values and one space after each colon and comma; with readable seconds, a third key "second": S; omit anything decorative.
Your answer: {"hour": 12, "minute": 6}
